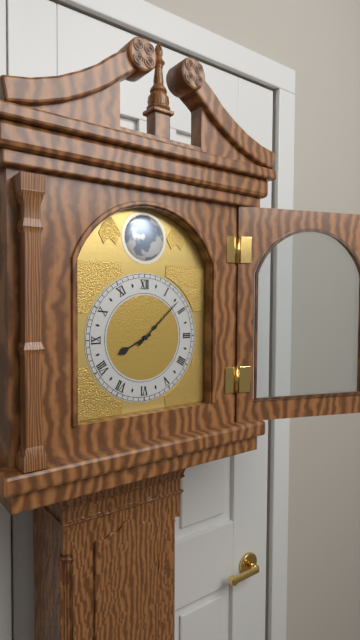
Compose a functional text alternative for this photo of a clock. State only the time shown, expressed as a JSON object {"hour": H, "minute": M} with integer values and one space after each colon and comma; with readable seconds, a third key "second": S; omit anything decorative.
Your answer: {"hour": 8, "minute": 8}
